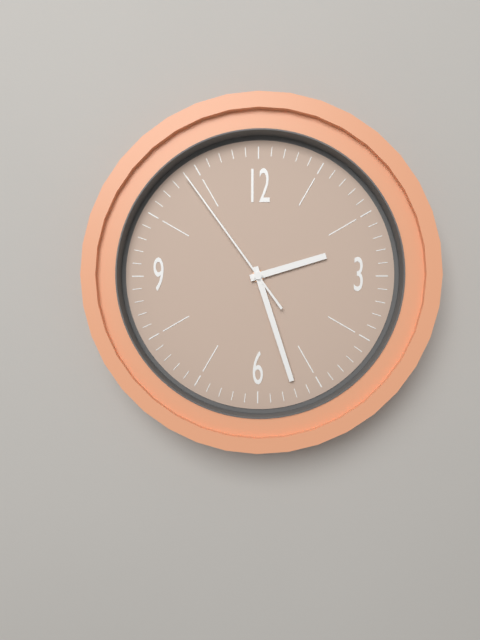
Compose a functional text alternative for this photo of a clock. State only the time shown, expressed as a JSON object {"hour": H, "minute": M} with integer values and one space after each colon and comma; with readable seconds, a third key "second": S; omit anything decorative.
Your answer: {"hour": 2, "minute": 27, "second": 54}
